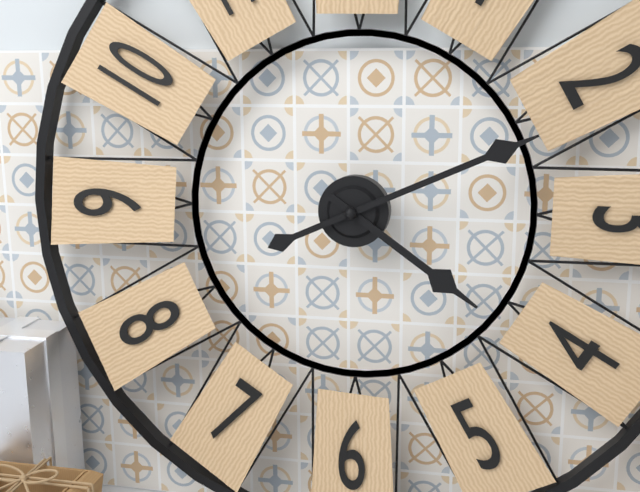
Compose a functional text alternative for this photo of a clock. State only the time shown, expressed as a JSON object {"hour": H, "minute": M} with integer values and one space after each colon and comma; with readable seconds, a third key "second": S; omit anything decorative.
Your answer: {"hour": 4, "minute": 11}
